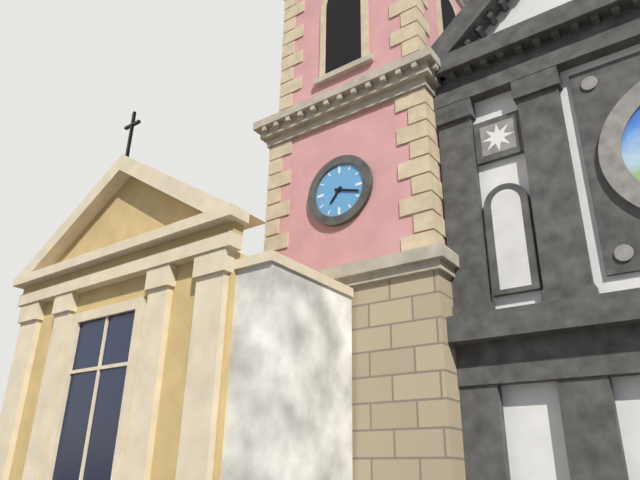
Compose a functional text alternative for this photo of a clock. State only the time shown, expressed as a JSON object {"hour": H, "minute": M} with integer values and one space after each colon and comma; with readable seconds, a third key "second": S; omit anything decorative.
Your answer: {"hour": 7, "minute": 18}
